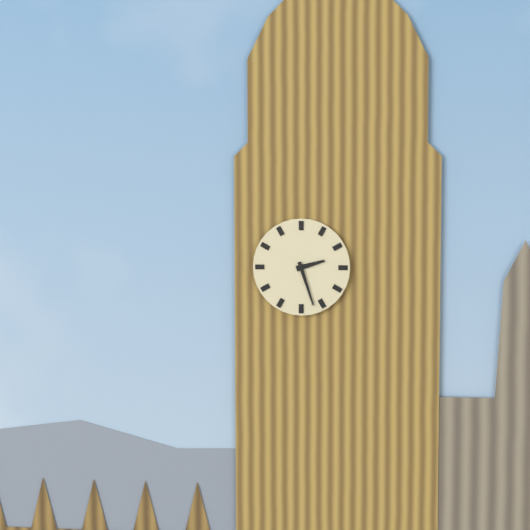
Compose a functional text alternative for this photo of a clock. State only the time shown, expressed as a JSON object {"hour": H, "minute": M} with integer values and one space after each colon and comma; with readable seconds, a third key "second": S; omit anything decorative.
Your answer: {"hour": 2, "minute": 27}
